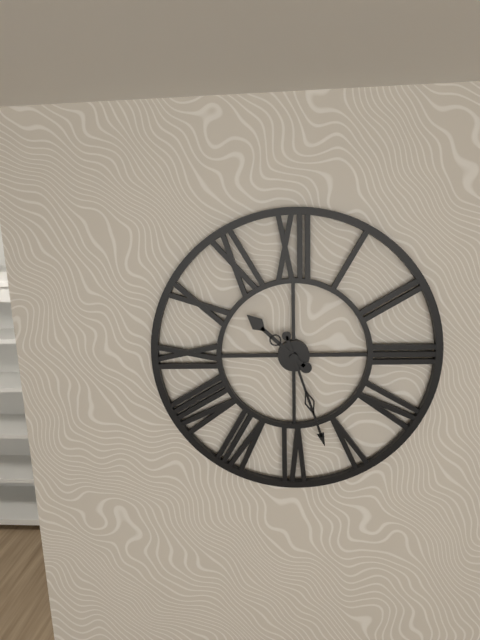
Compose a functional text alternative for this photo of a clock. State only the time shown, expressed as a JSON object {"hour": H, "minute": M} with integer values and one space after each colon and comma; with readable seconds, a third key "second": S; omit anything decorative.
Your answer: {"hour": 10, "minute": 27}
